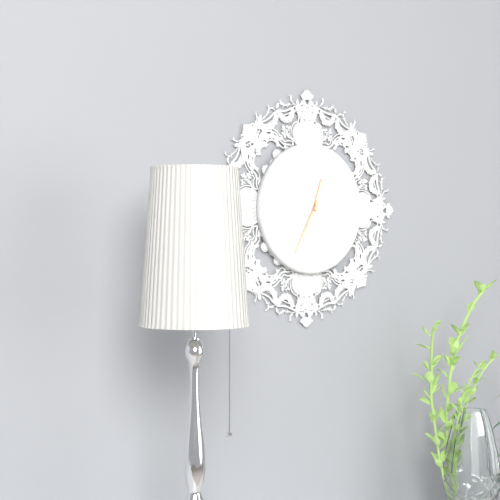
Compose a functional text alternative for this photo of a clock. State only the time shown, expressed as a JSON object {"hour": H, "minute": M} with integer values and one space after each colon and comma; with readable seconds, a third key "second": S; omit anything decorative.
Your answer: {"hour": 12, "minute": 35}
